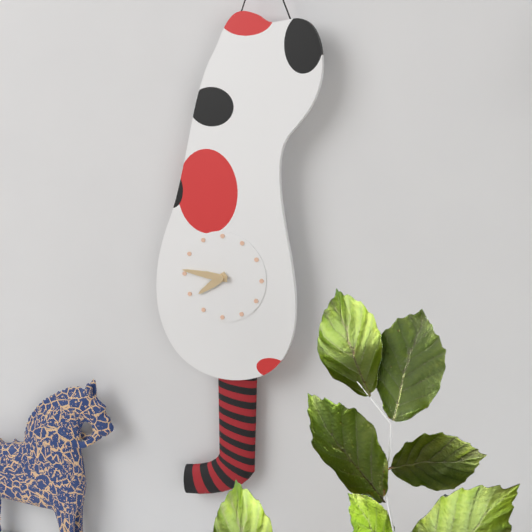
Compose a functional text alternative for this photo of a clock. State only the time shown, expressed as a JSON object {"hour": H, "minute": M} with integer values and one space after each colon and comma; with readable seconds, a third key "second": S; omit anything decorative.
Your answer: {"hour": 7, "minute": 46}
